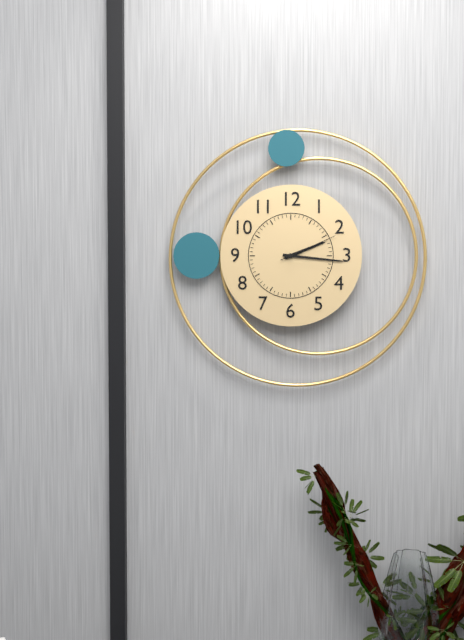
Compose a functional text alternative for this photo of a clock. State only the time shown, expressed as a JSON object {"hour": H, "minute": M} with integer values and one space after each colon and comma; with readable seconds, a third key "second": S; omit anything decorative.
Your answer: {"hour": 2, "minute": 16, "second": 11}
